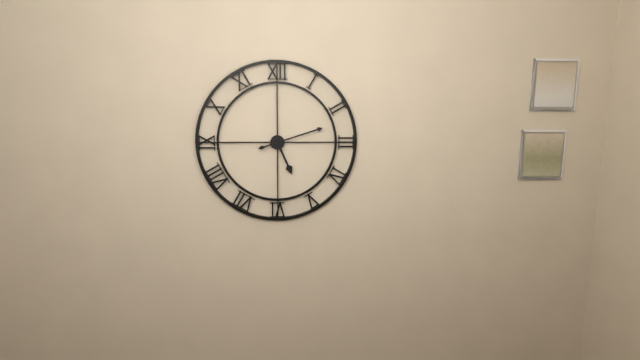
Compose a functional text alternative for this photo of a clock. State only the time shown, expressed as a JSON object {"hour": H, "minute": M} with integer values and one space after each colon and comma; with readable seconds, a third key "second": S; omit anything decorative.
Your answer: {"hour": 5, "minute": 12}
